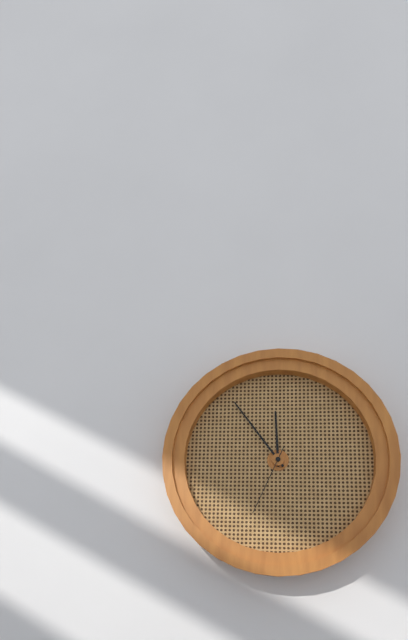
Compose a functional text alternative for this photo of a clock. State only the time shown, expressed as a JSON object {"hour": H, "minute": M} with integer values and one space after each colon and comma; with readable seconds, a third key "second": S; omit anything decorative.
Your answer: {"hour": 11, "minute": 54, "second": 34}
